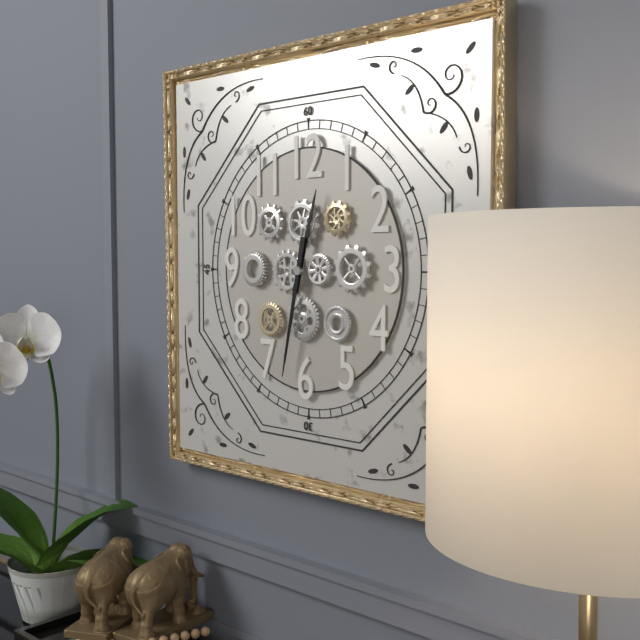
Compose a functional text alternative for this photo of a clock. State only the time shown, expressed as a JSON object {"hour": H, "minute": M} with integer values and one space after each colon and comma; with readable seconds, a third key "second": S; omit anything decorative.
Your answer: {"hour": 12, "minute": 32}
